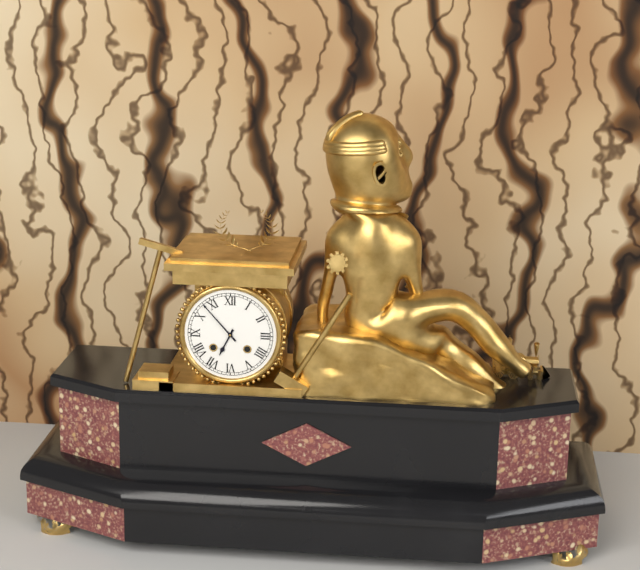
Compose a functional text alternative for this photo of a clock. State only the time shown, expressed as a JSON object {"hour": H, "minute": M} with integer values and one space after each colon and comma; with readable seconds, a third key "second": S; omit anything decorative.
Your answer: {"hour": 6, "minute": 53}
